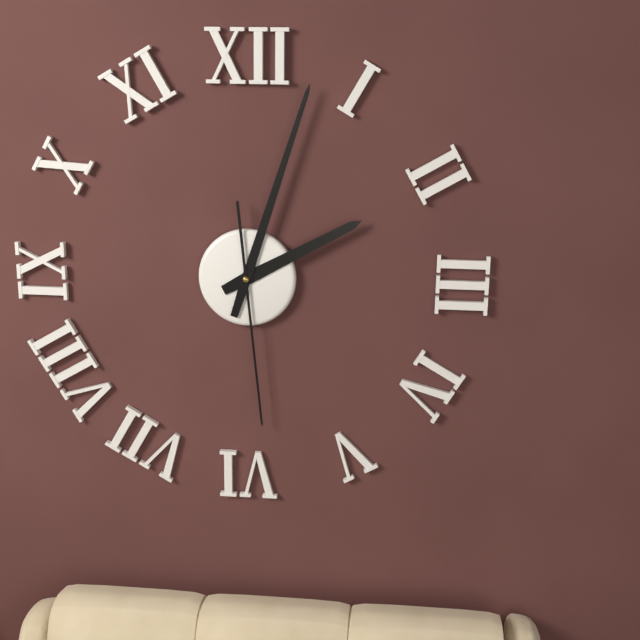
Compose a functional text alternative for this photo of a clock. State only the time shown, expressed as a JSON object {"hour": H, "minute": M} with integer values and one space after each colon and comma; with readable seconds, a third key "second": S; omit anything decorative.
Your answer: {"hour": 2, "minute": 3, "second": 29}
